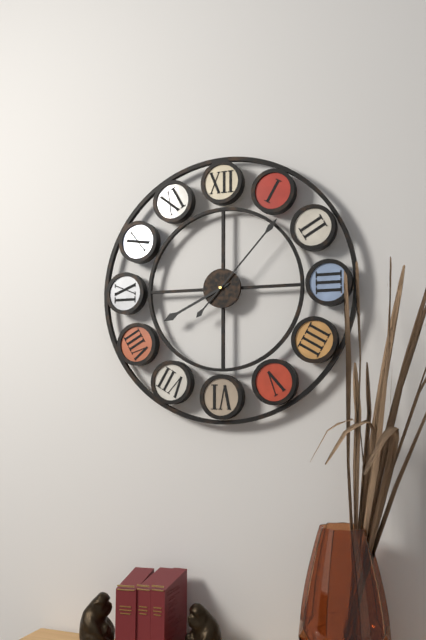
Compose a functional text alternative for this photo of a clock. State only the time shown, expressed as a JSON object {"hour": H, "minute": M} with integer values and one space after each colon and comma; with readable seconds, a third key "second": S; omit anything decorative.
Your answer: {"hour": 8, "minute": 7}
